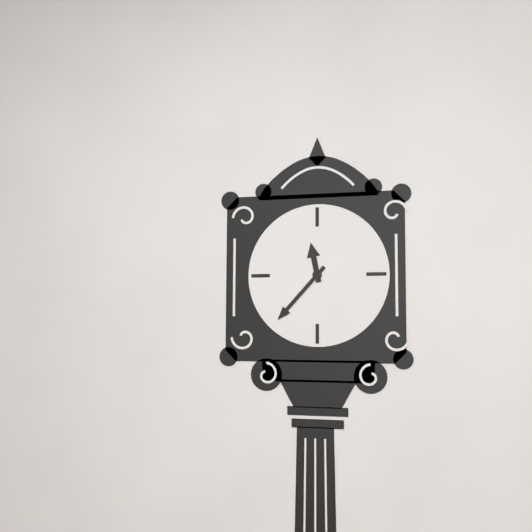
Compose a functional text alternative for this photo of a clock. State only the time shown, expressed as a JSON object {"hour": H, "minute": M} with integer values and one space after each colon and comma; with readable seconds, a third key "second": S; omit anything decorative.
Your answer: {"hour": 11, "minute": 37}
